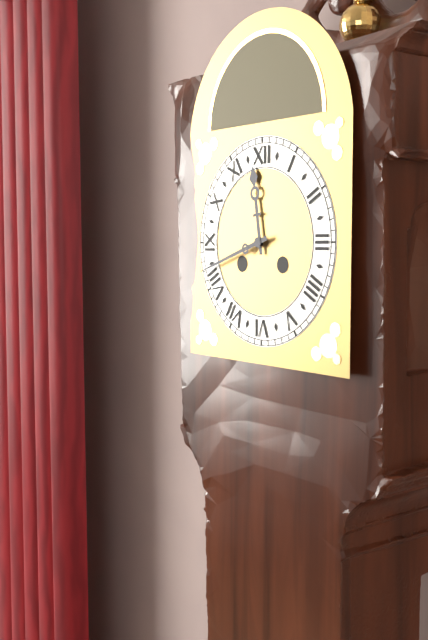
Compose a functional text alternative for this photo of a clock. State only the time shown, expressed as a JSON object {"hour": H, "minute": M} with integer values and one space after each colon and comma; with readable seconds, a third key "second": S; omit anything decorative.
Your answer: {"hour": 11, "minute": 42}
